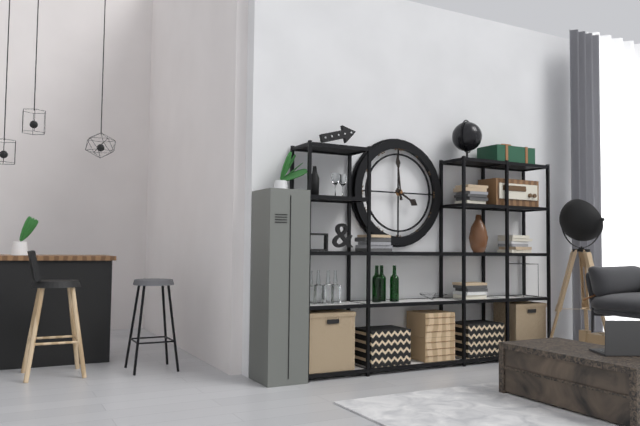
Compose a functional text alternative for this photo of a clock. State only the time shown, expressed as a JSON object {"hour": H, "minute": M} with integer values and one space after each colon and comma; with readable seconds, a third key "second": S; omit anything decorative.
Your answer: {"hour": 3, "minute": 59}
